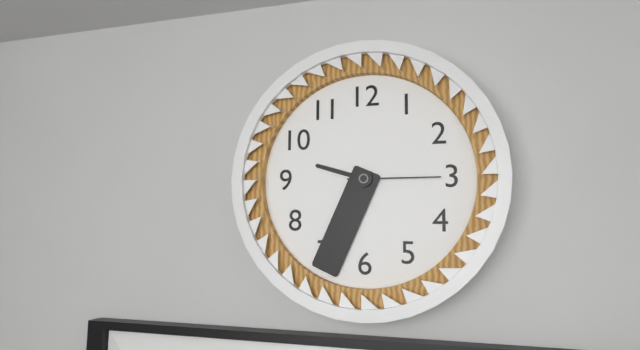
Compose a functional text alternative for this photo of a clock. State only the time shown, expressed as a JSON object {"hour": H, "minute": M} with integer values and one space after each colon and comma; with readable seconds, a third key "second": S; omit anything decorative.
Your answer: {"hour": 9, "minute": 34, "second": 15}
